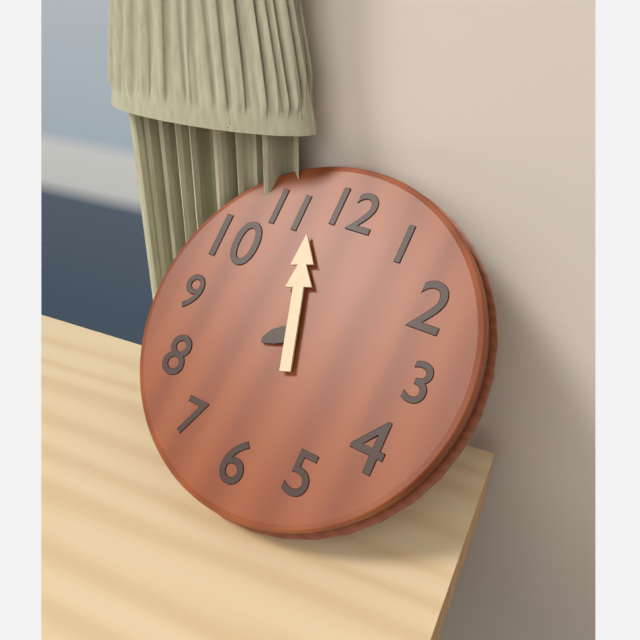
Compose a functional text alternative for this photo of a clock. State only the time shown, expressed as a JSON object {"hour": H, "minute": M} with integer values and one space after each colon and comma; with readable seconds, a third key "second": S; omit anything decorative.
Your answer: {"hour": 7, "minute": 57}
